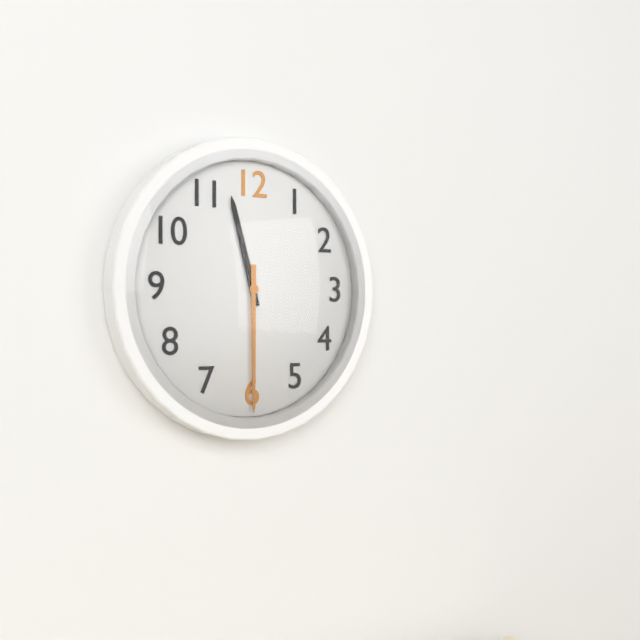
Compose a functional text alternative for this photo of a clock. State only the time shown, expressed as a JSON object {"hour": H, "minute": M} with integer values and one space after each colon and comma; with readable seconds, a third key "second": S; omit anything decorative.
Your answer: {"hour": 11, "minute": 30}
